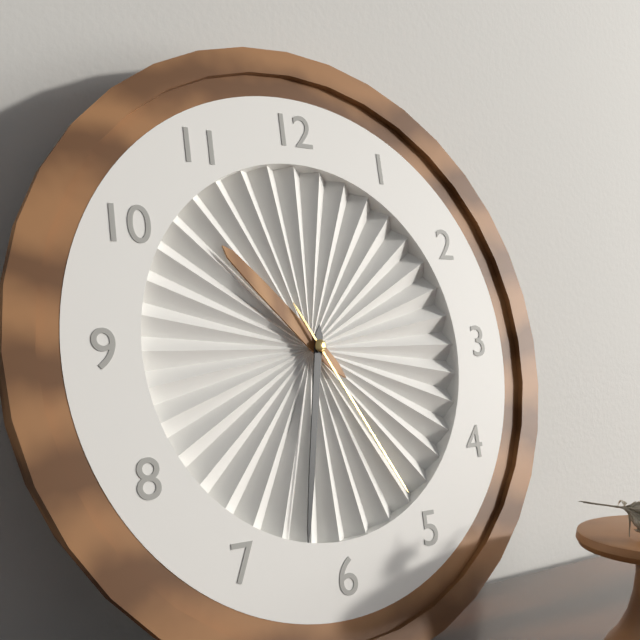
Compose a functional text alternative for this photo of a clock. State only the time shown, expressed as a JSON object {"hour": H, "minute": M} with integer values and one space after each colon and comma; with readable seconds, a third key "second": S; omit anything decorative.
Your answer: {"hour": 10, "minute": 32, "second": 25}
